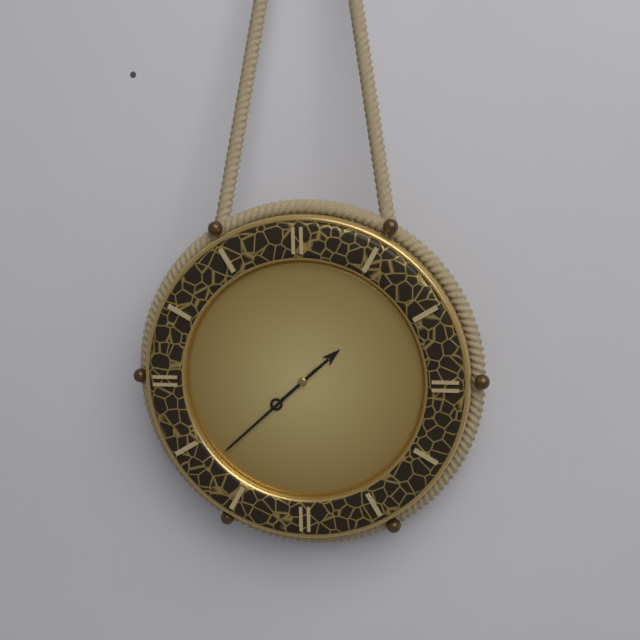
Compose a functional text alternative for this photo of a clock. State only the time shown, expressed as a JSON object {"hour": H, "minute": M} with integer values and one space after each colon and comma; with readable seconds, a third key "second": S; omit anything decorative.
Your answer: {"hour": 1, "minute": 38}
